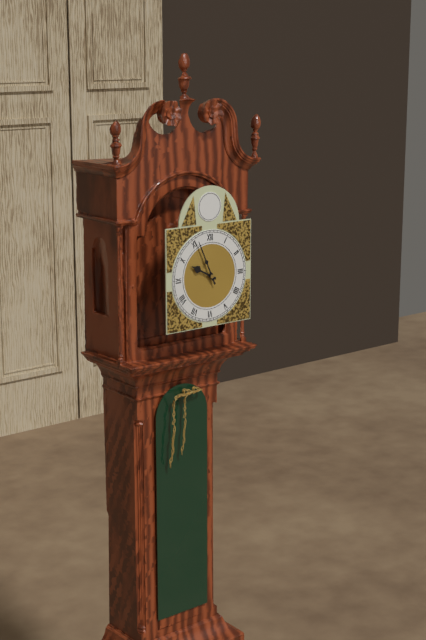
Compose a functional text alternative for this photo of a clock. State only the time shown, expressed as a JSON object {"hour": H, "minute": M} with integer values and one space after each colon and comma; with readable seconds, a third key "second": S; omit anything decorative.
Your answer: {"hour": 9, "minute": 56}
